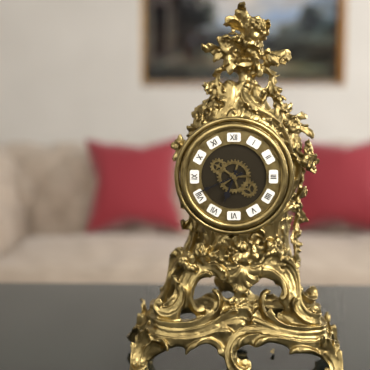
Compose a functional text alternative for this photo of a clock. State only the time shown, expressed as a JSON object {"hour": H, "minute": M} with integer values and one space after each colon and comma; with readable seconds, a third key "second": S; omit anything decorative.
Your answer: {"hour": 6, "minute": 41}
